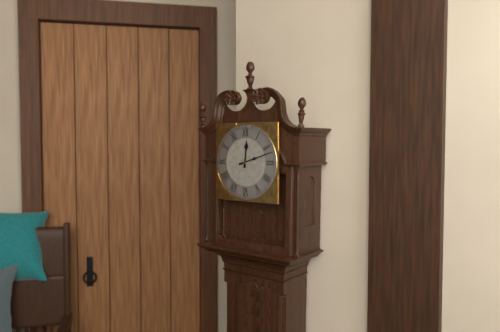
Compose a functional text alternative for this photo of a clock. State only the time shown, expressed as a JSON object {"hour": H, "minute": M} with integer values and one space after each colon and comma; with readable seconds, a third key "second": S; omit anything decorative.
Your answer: {"hour": 12, "minute": 12}
